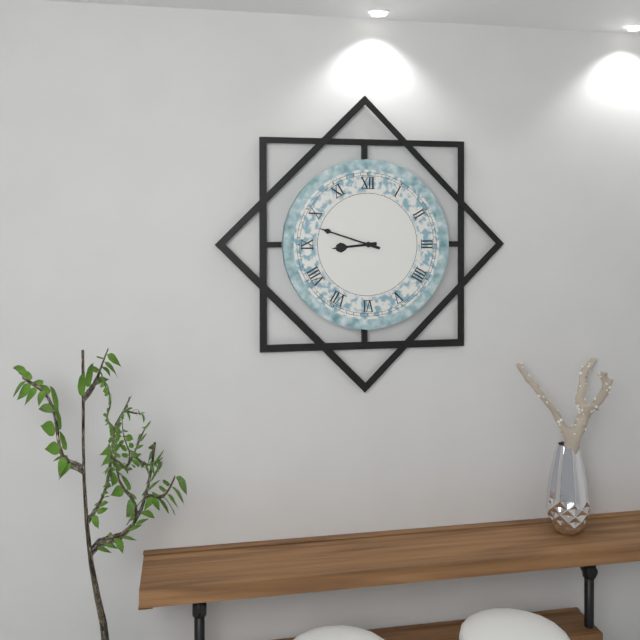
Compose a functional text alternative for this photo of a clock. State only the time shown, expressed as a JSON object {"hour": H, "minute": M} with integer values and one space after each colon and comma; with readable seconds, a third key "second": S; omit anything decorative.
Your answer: {"hour": 8, "minute": 48}
